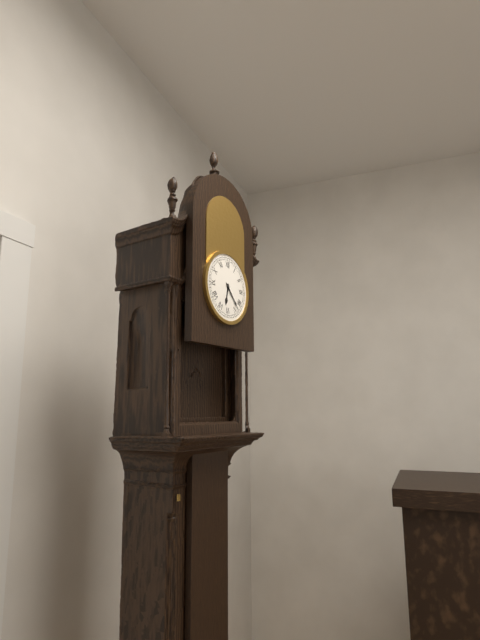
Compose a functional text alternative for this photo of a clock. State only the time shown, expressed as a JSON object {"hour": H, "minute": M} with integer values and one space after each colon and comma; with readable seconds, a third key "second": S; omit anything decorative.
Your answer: {"hour": 6, "minute": 23}
